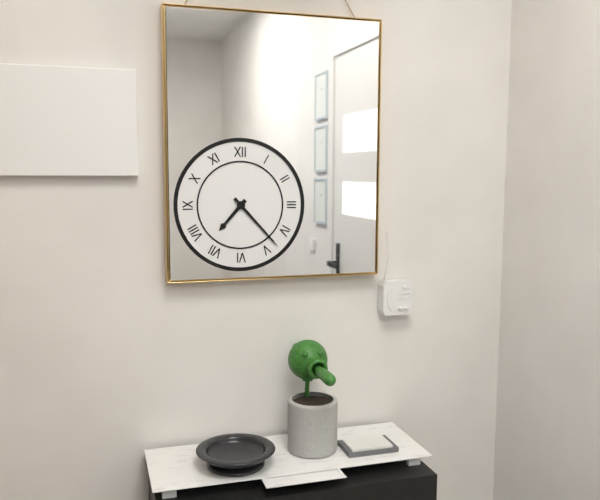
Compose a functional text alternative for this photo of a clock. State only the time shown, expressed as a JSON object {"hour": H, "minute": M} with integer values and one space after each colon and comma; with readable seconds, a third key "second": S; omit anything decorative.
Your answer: {"hour": 7, "minute": 23}
